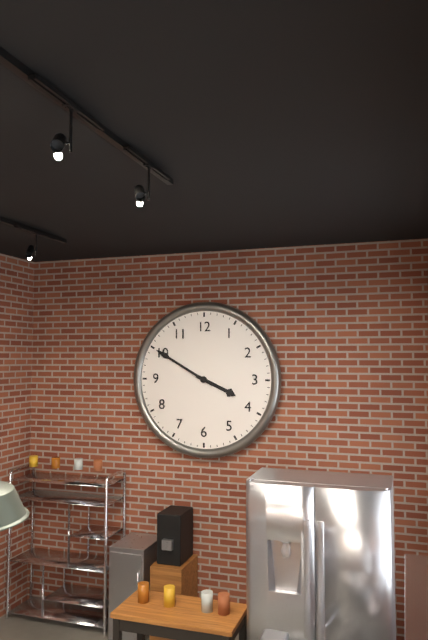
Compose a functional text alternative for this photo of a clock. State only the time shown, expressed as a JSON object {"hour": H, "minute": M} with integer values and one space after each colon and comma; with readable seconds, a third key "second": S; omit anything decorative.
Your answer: {"hour": 3, "minute": 50}
